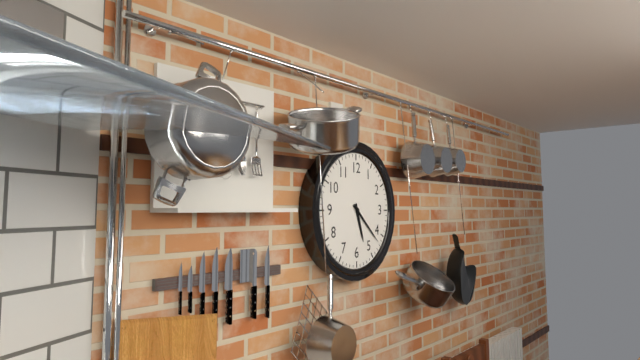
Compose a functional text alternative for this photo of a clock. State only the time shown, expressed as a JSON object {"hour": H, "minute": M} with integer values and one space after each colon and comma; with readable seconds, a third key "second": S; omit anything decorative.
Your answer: {"hour": 5, "minute": 22}
